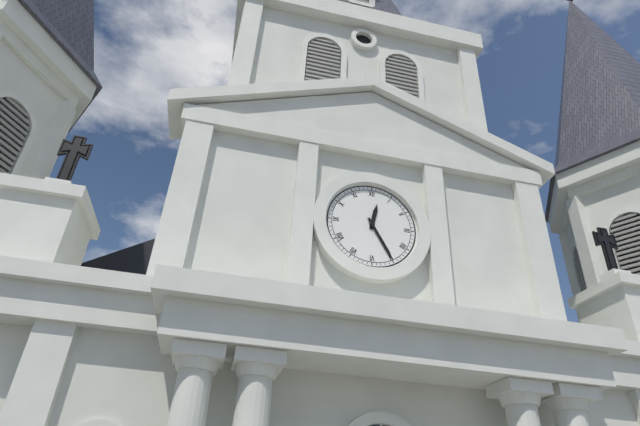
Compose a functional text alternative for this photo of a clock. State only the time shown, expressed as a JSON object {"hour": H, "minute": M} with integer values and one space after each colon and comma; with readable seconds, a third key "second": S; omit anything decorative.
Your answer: {"hour": 12, "minute": 25}
